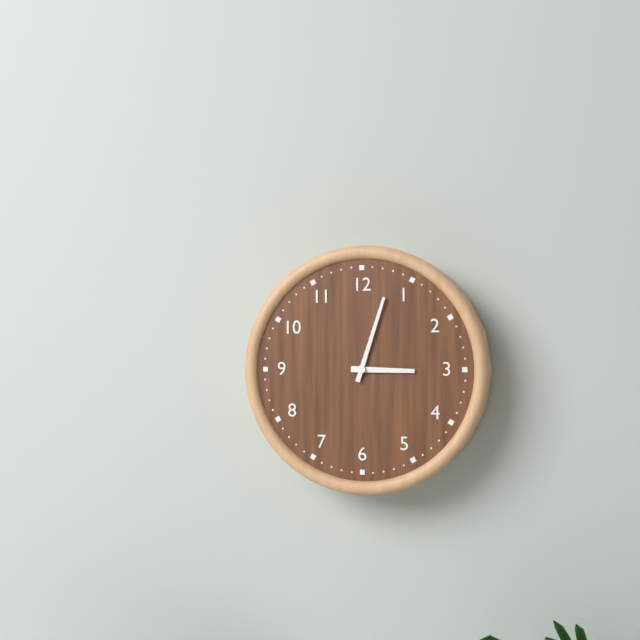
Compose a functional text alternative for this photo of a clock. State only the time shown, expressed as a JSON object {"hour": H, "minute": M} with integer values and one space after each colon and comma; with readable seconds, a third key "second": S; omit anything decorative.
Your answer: {"hour": 3, "minute": 3}
